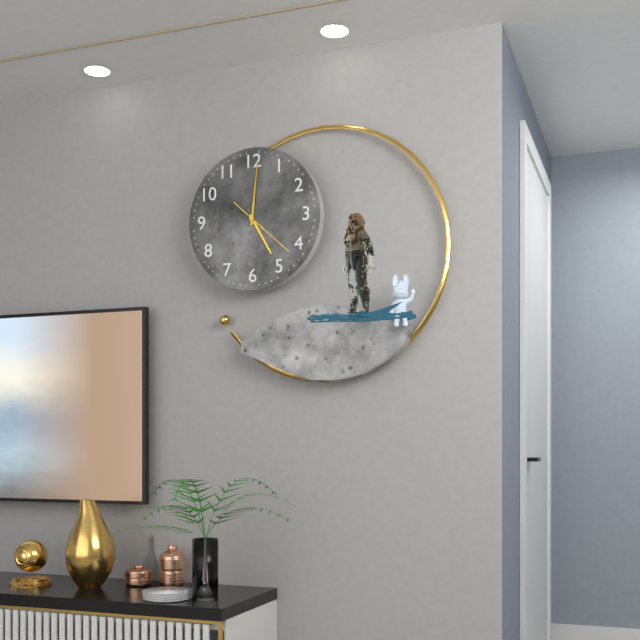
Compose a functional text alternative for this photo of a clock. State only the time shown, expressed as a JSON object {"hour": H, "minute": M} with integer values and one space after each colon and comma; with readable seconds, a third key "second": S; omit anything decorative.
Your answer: {"hour": 5, "minute": 1, "second": 22}
